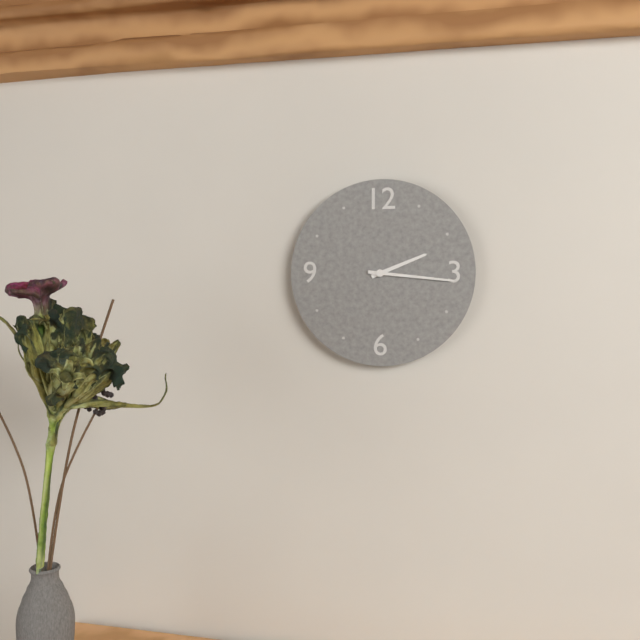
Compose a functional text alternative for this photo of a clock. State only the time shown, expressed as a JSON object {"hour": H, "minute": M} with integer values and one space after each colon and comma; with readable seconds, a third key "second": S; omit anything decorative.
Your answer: {"hour": 2, "minute": 16}
